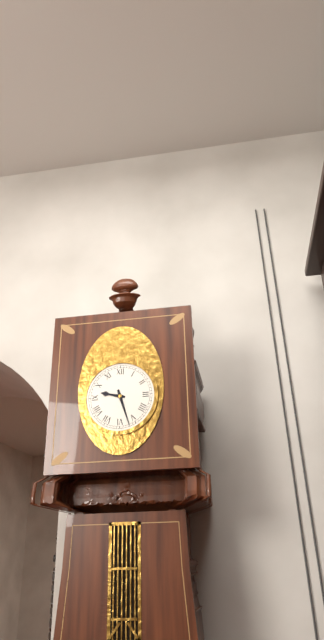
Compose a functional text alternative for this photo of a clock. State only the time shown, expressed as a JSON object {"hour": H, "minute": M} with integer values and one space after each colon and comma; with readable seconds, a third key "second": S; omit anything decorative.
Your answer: {"hour": 9, "minute": 27}
